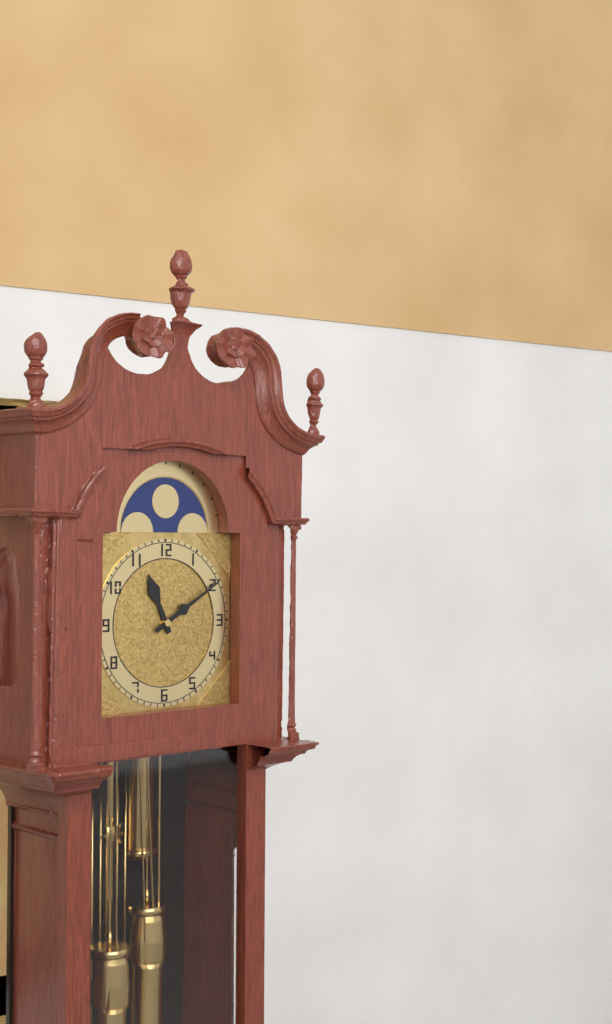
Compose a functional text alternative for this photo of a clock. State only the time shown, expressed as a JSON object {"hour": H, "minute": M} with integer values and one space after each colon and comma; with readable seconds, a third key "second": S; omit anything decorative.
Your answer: {"hour": 11, "minute": 10}
